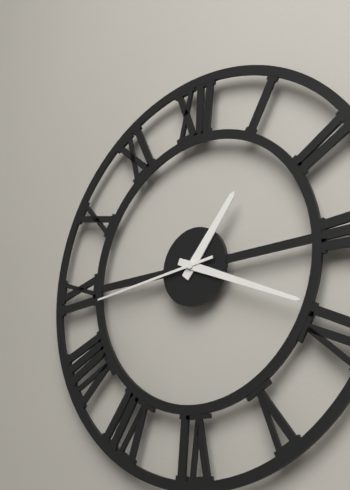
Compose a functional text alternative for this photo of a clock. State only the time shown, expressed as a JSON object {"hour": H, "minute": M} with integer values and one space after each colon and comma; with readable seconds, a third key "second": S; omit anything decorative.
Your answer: {"hour": 1, "minute": 19, "second": 44}
